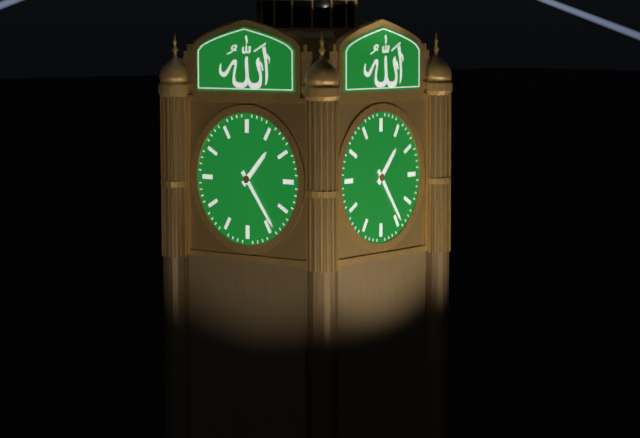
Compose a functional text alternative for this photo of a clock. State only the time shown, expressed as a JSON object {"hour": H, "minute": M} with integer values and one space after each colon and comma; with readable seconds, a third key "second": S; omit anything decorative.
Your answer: {"hour": 1, "minute": 24}
